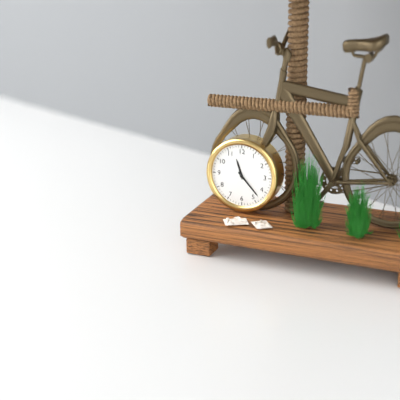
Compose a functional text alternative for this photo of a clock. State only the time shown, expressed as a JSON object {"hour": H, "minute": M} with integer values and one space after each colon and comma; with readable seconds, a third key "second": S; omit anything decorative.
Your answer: {"hour": 11, "minute": 23}
